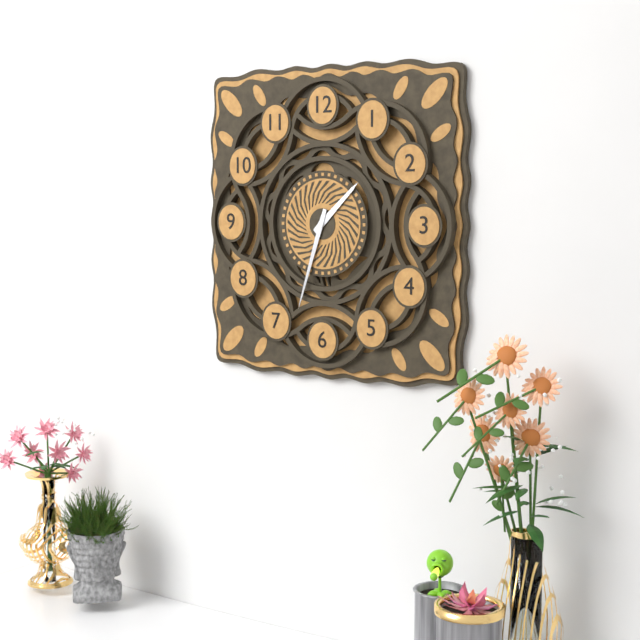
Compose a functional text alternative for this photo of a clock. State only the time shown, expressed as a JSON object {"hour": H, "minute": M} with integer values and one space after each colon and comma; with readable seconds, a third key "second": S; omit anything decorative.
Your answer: {"hour": 1, "minute": 33}
